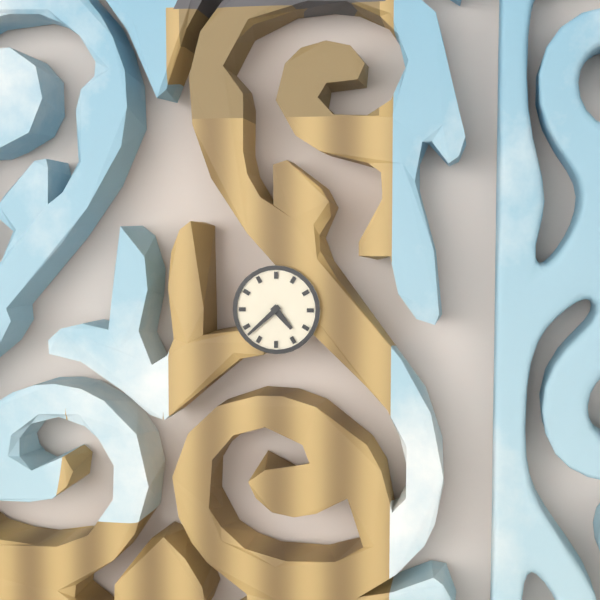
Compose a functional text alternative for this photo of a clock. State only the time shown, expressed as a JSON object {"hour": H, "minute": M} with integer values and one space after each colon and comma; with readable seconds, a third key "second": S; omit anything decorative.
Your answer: {"hour": 4, "minute": 38}
